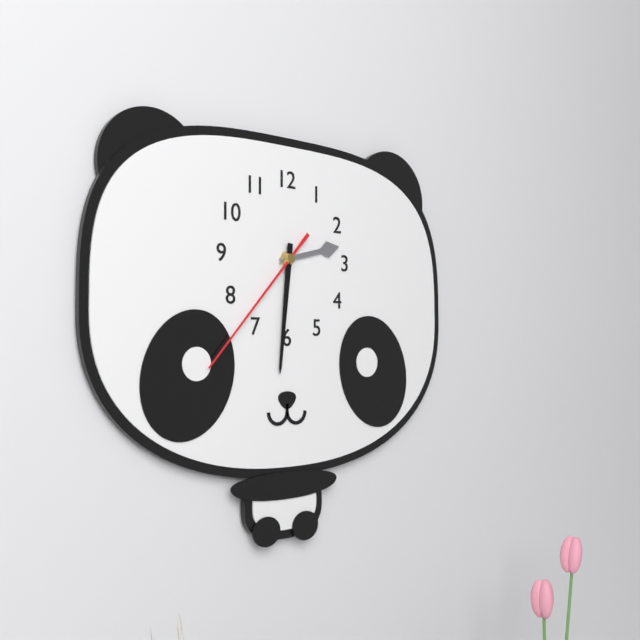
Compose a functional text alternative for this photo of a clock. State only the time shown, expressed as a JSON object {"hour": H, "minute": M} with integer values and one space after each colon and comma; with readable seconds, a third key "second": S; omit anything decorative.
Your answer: {"hour": 2, "minute": 31, "second": 37}
